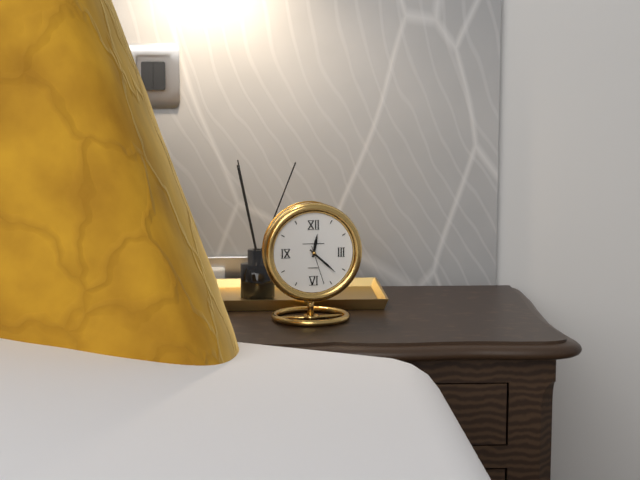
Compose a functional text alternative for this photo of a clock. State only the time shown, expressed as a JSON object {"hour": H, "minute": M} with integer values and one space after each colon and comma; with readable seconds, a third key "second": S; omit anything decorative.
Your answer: {"hour": 12, "minute": 22}
